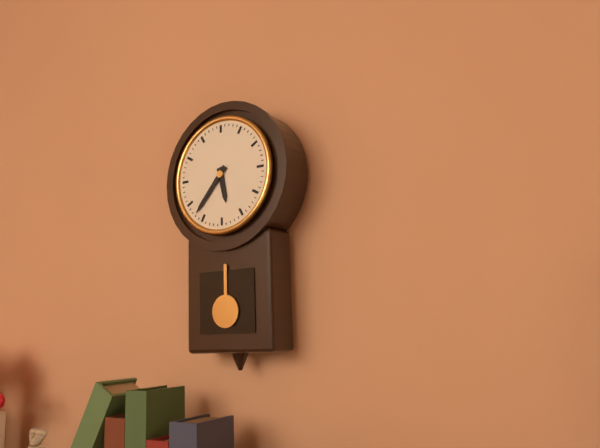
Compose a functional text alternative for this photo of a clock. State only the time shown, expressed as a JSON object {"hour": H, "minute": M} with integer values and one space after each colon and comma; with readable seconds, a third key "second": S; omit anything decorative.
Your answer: {"hour": 5, "minute": 37}
